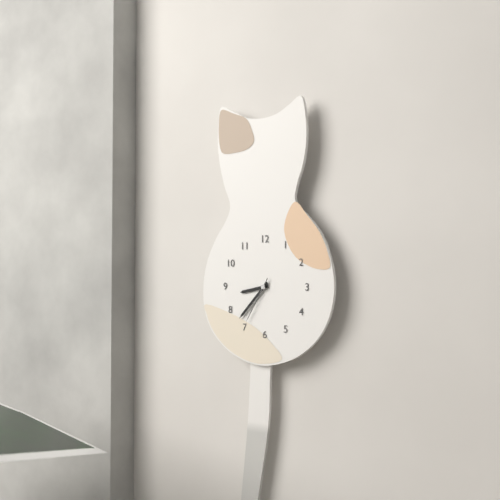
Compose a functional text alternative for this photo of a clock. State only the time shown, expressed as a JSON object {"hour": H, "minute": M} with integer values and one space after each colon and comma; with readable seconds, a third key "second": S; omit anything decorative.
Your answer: {"hour": 8, "minute": 37}
